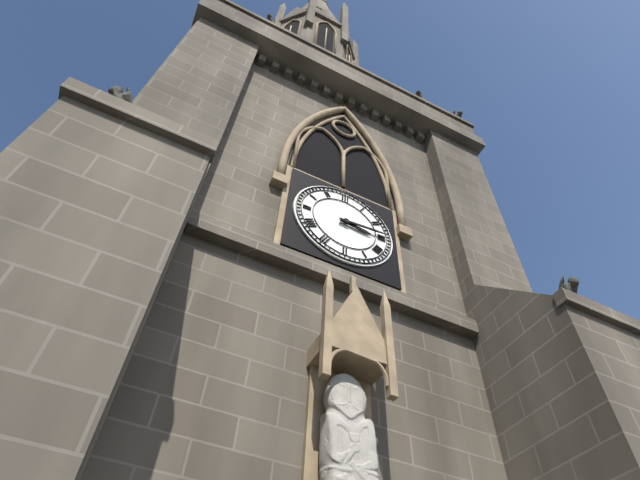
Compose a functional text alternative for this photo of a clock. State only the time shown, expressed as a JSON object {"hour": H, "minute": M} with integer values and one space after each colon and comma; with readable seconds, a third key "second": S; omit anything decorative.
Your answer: {"hour": 3, "minute": 14}
